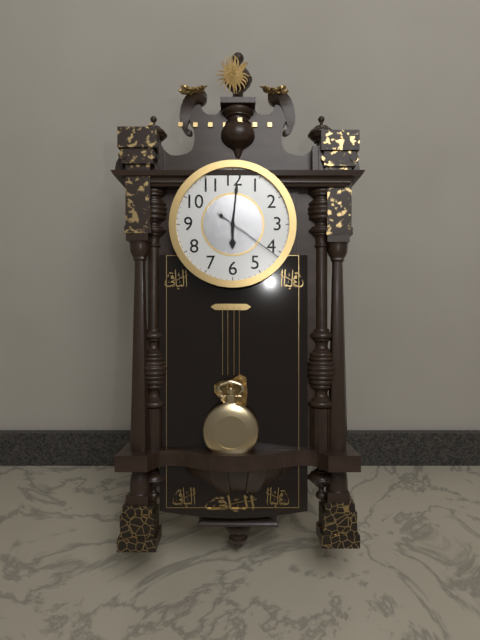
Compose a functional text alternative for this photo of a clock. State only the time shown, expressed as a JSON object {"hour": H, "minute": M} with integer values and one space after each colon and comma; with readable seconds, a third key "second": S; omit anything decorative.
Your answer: {"hour": 6, "minute": 1, "second": 21}
